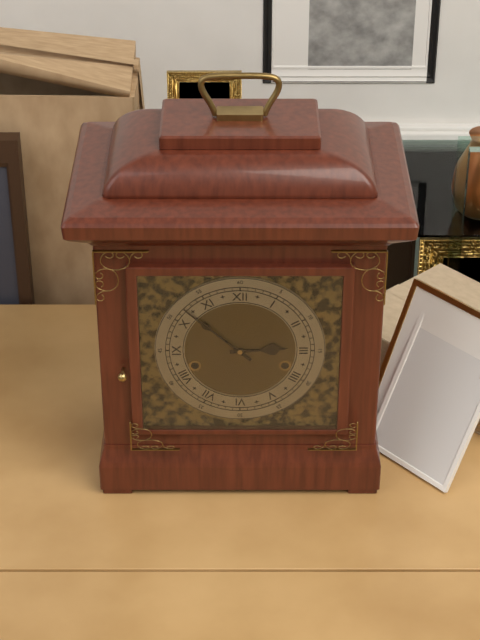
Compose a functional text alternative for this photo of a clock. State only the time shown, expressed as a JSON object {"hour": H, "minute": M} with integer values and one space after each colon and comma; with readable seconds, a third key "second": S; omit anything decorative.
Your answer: {"hour": 2, "minute": 52}
